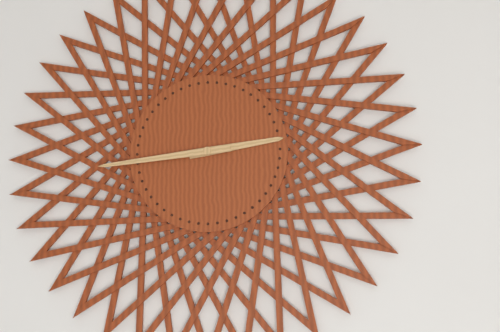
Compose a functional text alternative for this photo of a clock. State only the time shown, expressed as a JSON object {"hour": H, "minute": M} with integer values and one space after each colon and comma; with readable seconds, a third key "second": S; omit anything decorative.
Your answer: {"hour": 2, "minute": 44}
